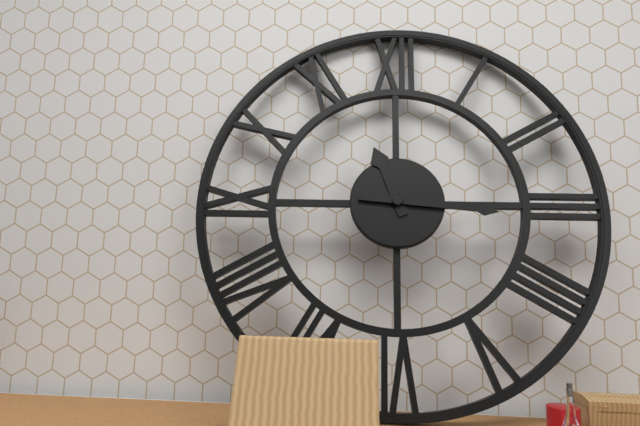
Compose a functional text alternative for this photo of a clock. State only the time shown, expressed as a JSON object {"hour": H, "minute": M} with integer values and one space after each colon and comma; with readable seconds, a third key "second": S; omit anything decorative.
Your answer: {"hour": 11, "minute": 16}
